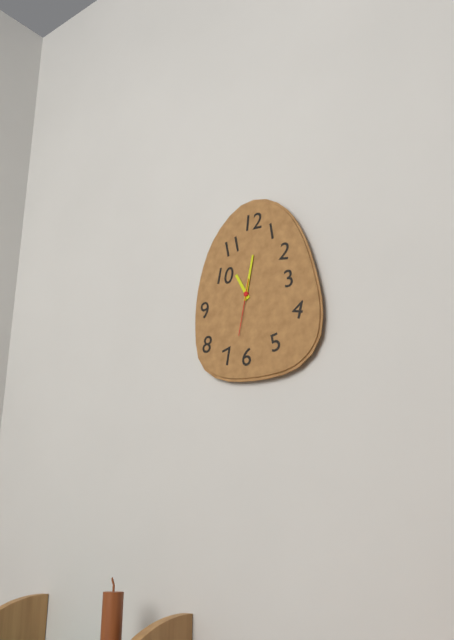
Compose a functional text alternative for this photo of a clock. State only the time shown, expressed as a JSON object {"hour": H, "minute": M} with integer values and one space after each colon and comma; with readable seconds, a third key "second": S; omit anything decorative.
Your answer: {"hour": 11, "minute": 2, "second": 32}
